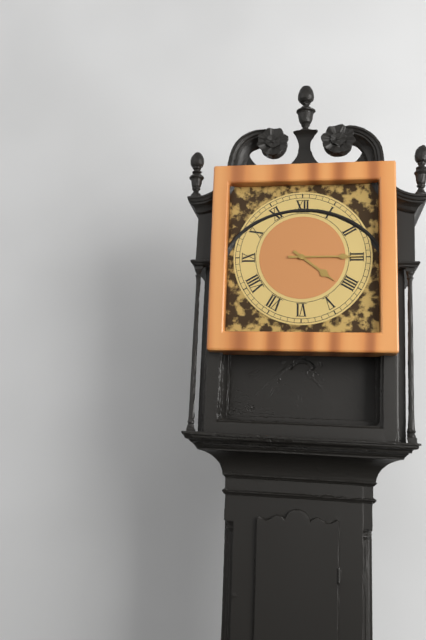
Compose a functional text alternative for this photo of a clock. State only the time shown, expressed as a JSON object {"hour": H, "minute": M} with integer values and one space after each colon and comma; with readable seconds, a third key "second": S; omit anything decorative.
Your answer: {"hour": 4, "minute": 15}
